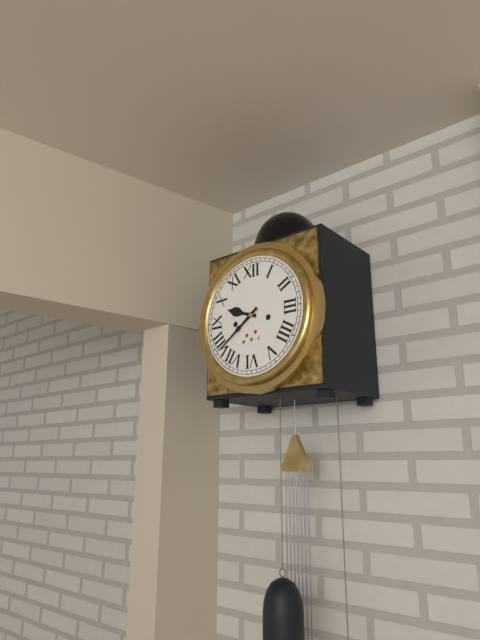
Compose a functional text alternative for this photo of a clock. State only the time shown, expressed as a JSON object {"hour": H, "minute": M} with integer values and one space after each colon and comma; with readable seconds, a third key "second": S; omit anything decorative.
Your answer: {"hour": 9, "minute": 39}
